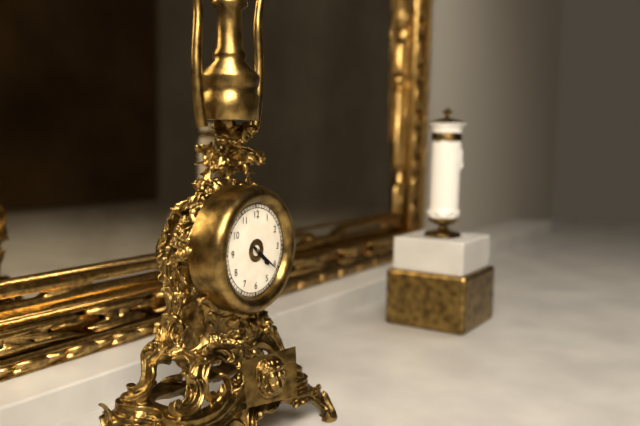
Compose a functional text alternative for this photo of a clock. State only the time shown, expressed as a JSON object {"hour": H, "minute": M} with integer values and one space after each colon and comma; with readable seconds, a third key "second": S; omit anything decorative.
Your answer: {"hour": 4, "minute": 21}
